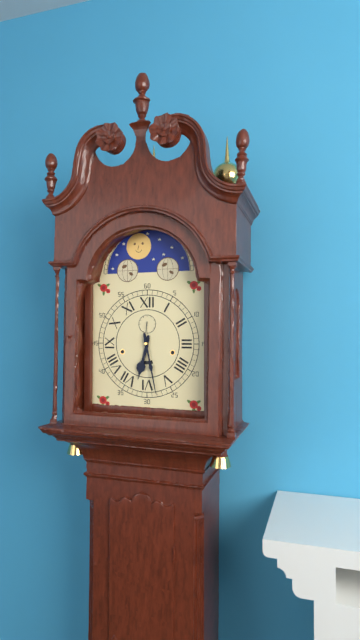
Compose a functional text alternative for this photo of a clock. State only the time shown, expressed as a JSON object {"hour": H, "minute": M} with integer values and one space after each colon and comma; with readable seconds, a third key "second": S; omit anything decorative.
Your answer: {"hour": 6, "minute": 28}
